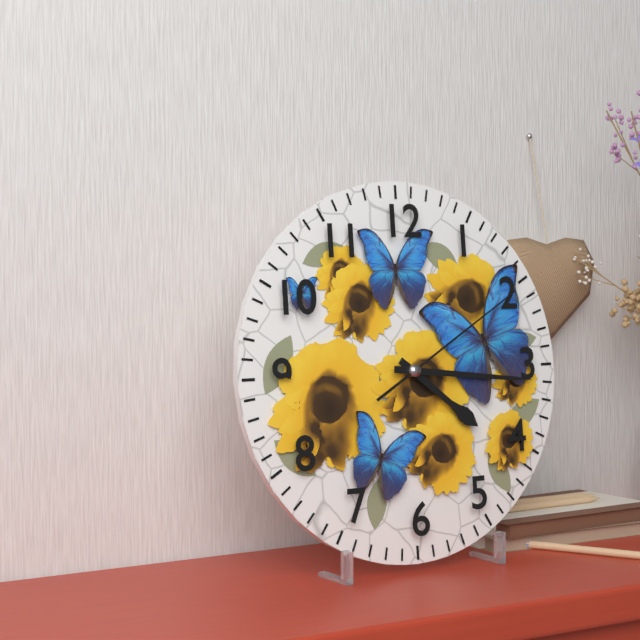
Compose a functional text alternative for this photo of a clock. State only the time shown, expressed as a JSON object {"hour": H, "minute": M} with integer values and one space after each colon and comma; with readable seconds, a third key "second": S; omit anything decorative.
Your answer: {"hour": 4, "minute": 16, "second": 10}
